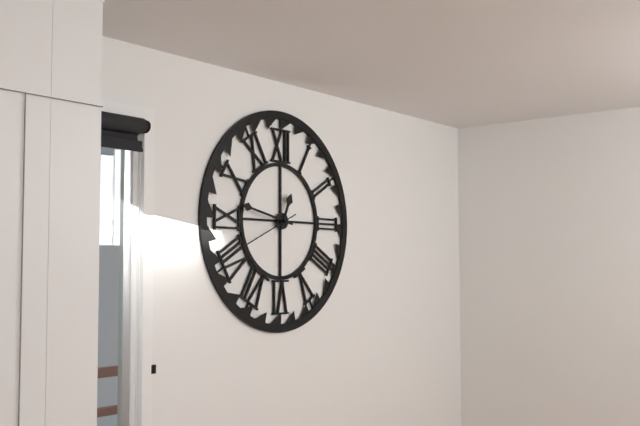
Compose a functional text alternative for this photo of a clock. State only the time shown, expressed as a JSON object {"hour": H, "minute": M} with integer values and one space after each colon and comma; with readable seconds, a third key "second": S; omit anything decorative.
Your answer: {"hour": 12, "minute": 47, "second": 41}
